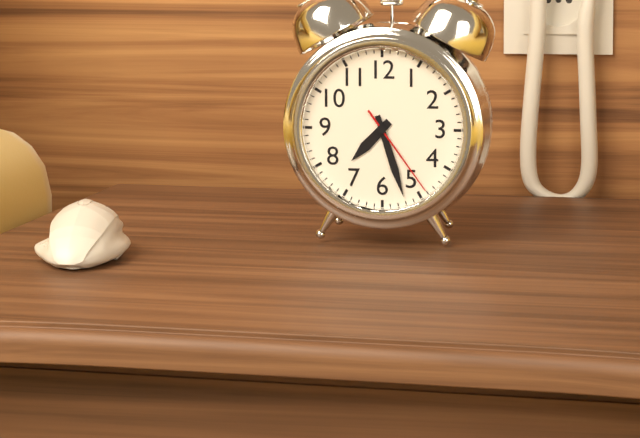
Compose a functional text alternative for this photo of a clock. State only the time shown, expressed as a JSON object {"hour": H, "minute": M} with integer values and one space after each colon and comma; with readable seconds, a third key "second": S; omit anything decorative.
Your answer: {"hour": 7, "minute": 27, "second": 24}
